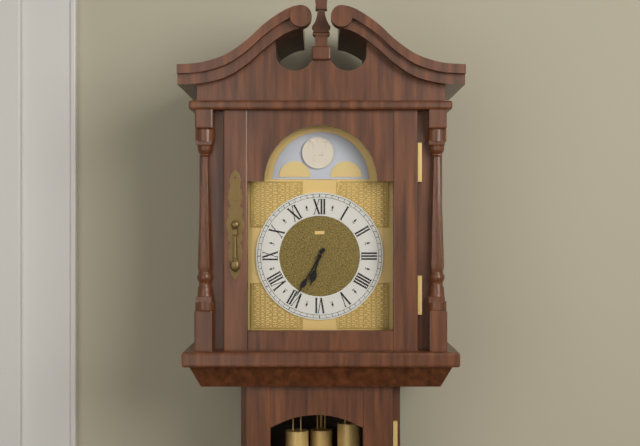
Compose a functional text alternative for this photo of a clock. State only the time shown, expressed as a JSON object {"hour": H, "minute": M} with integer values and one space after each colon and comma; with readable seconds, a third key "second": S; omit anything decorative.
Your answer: {"hour": 6, "minute": 35}
